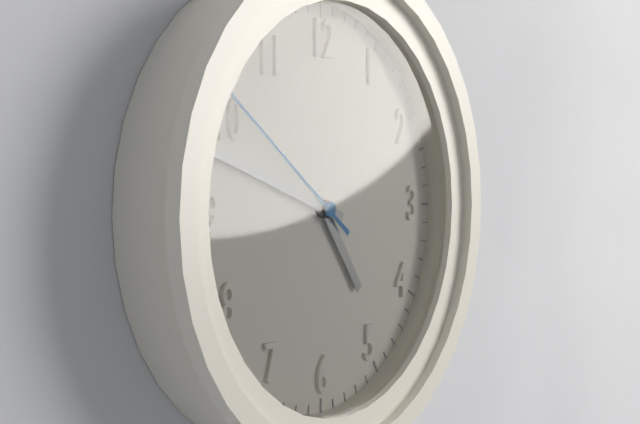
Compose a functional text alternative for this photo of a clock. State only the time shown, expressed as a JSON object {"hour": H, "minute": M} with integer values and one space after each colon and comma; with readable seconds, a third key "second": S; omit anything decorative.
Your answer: {"hour": 4, "minute": 48, "second": 51}
